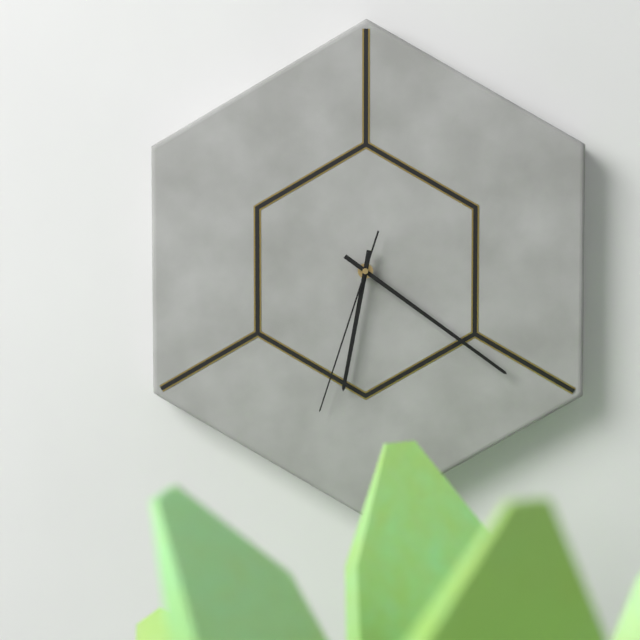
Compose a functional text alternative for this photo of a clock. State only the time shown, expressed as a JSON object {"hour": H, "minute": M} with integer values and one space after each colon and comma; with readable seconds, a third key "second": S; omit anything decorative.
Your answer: {"hour": 6, "minute": 21, "second": 33}
